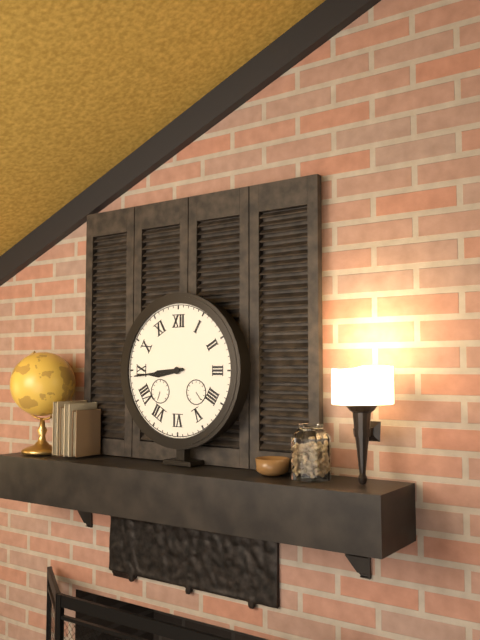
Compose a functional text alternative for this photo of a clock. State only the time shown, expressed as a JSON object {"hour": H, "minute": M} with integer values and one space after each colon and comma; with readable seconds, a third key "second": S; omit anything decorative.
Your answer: {"hour": 8, "minute": 44}
